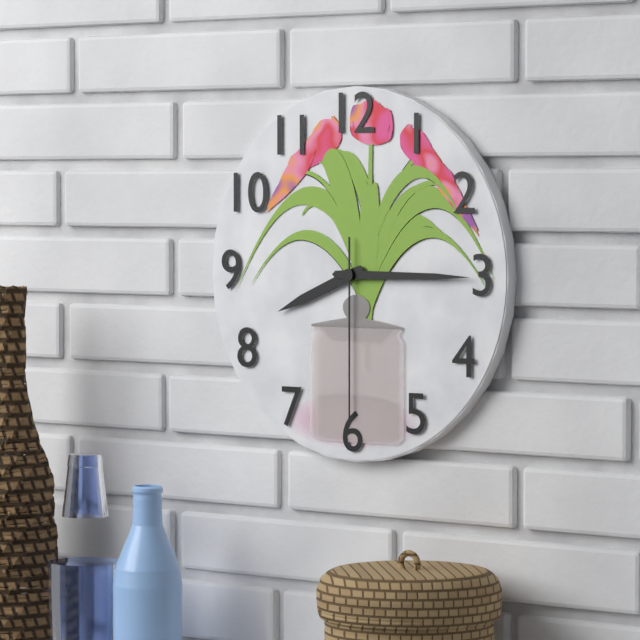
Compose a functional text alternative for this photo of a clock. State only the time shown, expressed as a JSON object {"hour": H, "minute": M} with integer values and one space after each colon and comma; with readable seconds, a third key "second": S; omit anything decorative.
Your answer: {"hour": 8, "minute": 15, "second": 30}
